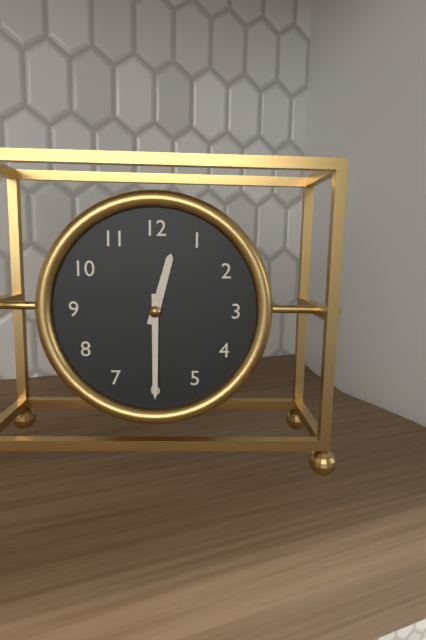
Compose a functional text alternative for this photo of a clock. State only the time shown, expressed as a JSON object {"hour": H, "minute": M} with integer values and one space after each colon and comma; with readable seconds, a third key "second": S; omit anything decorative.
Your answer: {"hour": 12, "minute": 30}
